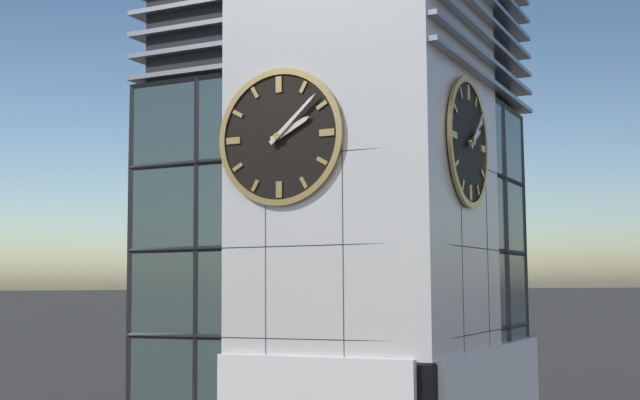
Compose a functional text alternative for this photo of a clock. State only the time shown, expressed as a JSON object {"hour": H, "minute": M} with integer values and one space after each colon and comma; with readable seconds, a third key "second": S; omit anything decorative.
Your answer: {"hour": 2, "minute": 8}
